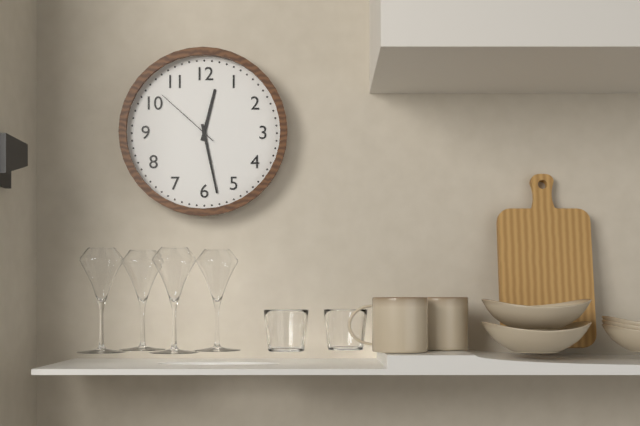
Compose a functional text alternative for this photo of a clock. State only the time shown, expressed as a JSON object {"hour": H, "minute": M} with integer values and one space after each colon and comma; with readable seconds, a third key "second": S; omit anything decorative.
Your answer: {"hour": 12, "minute": 28, "second": 52}
